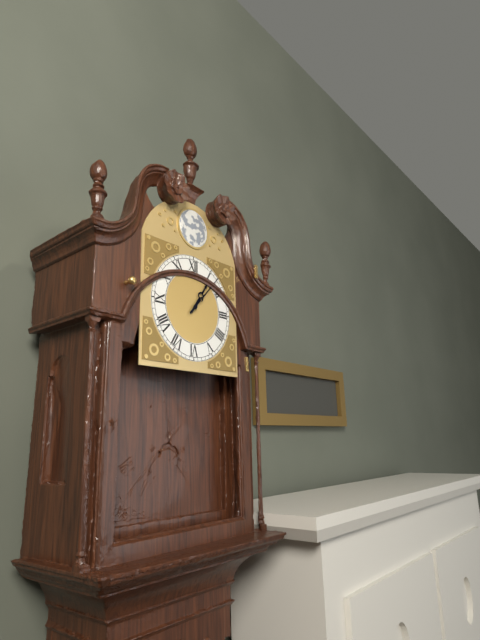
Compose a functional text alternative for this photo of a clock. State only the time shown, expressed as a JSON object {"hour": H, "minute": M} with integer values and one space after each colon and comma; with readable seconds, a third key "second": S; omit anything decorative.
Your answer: {"hour": 1, "minute": 7}
